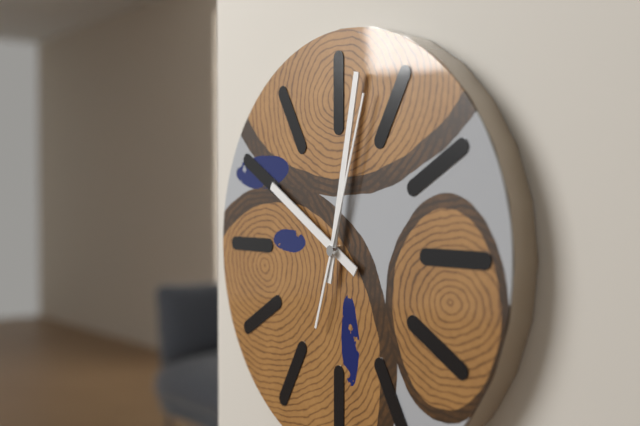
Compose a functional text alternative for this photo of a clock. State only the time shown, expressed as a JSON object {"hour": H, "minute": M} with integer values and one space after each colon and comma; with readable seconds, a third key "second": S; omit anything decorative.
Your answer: {"hour": 10, "minute": 2, "second": 3}
